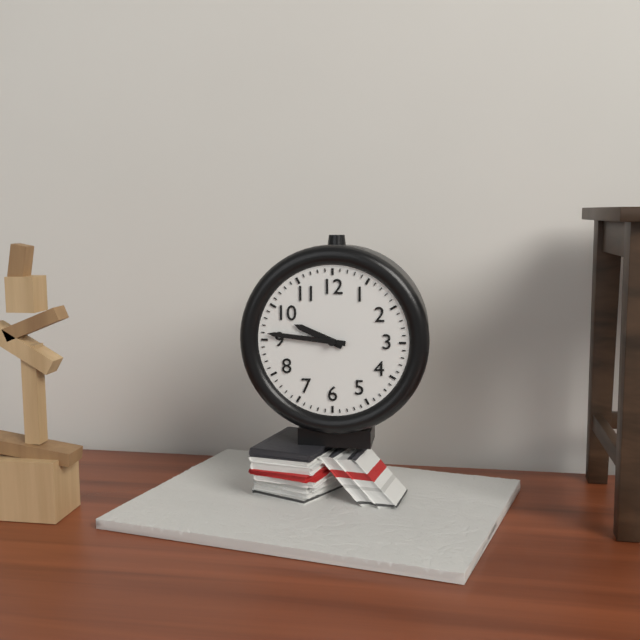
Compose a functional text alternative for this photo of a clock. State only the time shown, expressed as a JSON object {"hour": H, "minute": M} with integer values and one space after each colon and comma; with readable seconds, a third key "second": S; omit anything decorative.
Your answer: {"hour": 9, "minute": 46}
